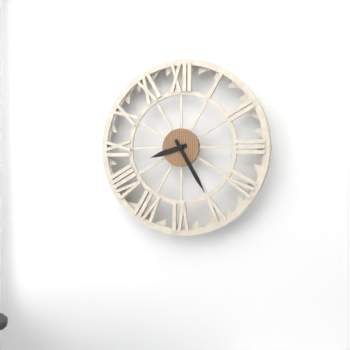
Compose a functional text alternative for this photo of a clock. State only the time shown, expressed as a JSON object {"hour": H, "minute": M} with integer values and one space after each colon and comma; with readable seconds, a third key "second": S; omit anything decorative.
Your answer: {"hour": 8, "minute": 25}
